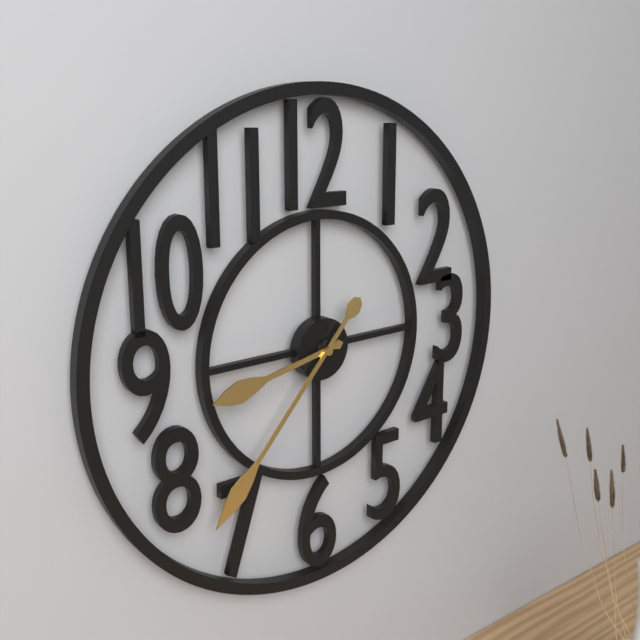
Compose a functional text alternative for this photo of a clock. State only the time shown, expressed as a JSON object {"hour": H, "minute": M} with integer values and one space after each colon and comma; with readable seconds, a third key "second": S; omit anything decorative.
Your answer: {"hour": 8, "minute": 37}
